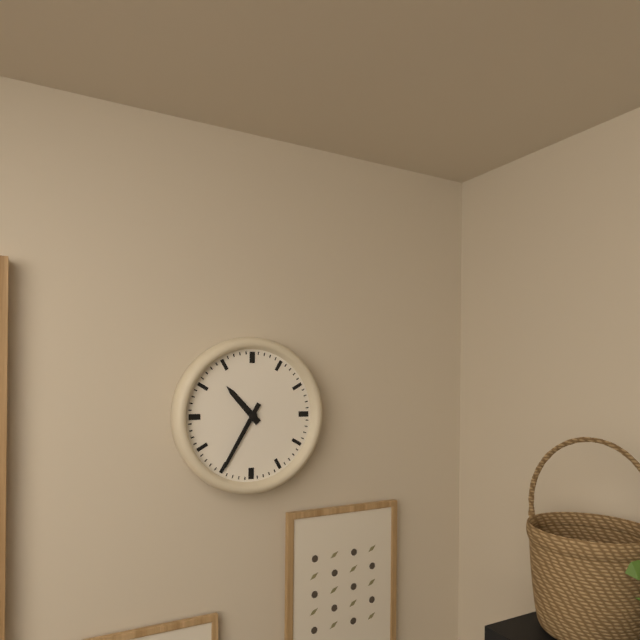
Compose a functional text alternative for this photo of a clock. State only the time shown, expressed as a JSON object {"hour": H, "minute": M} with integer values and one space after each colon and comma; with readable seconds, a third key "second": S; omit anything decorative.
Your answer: {"hour": 10, "minute": 35}
